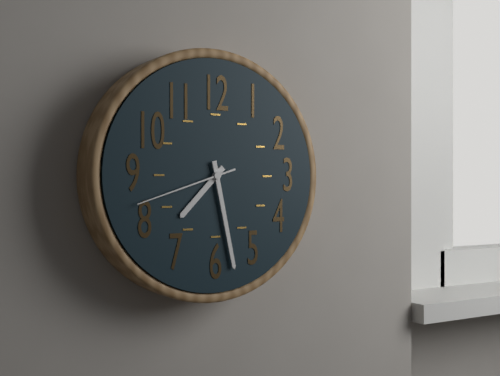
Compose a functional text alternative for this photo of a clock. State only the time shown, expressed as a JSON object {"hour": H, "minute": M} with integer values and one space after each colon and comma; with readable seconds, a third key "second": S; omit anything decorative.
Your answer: {"hour": 7, "minute": 28, "second": 42}
